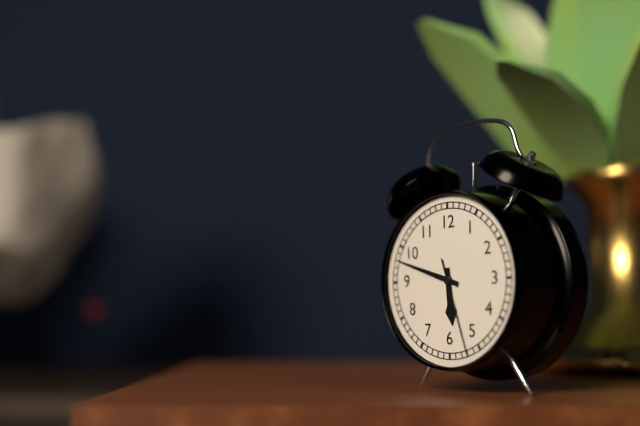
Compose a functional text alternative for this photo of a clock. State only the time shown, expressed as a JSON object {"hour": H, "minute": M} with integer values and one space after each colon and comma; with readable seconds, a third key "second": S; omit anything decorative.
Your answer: {"hour": 5, "minute": 48, "second": 27}
